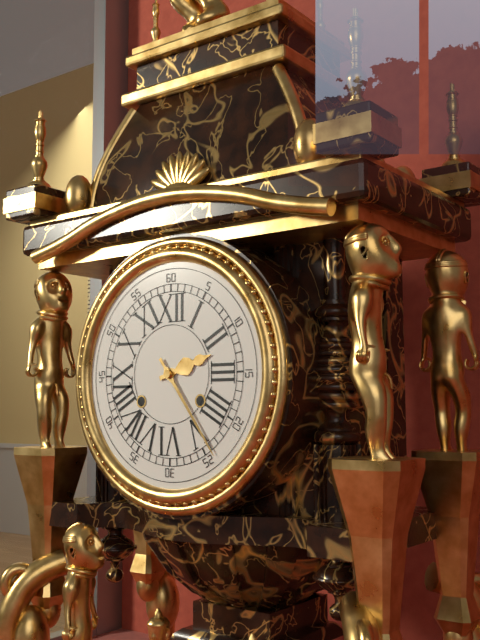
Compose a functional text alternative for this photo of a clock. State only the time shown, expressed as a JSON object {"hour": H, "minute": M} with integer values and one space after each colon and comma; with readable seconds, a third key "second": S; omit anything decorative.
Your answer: {"hour": 2, "minute": 24}
